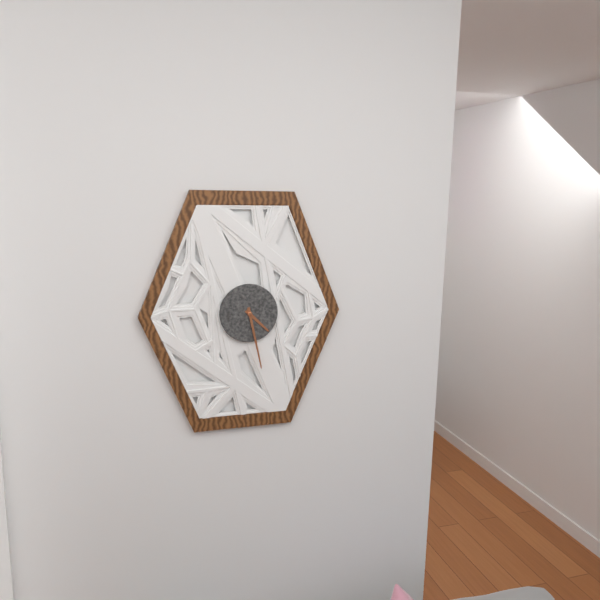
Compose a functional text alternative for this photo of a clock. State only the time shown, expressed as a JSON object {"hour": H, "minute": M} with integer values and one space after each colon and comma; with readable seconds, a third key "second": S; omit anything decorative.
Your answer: {"hour": 4, "minute": 28}
